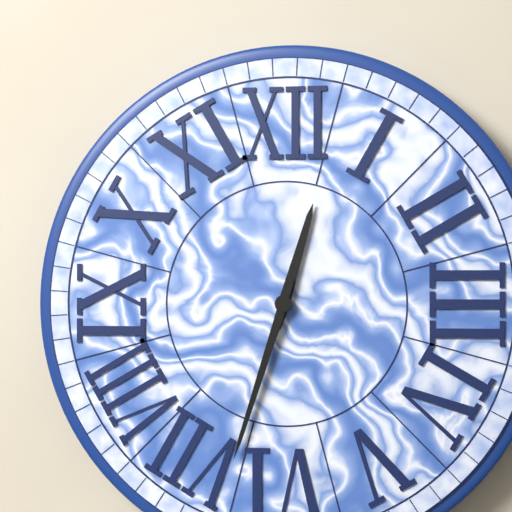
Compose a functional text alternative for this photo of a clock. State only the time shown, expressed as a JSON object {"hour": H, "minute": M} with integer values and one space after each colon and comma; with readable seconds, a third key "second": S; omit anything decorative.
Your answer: {"hour": 12, "minute": 33}
